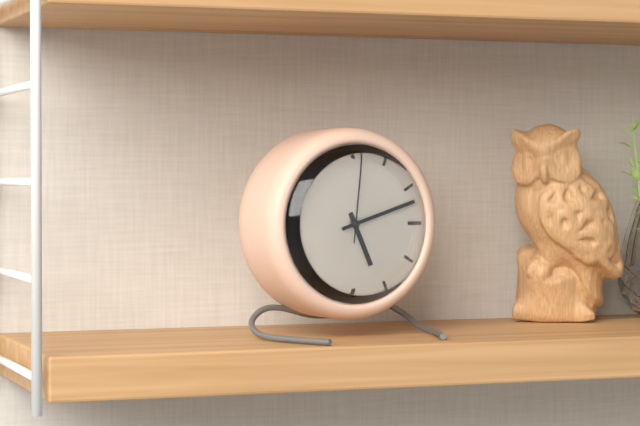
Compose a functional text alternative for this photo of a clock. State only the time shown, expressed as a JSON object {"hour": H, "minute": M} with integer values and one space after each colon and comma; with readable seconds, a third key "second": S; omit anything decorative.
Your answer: {"hour": 5, "minute": 12, "second": 1}
